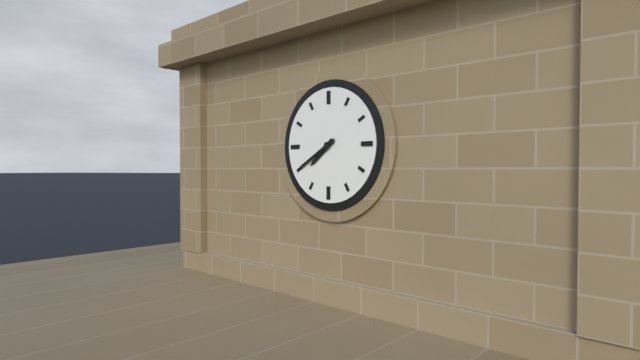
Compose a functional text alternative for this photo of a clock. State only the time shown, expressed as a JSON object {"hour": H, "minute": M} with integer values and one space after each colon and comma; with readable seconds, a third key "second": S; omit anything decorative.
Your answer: {"hour": 7, "minute": 40}
